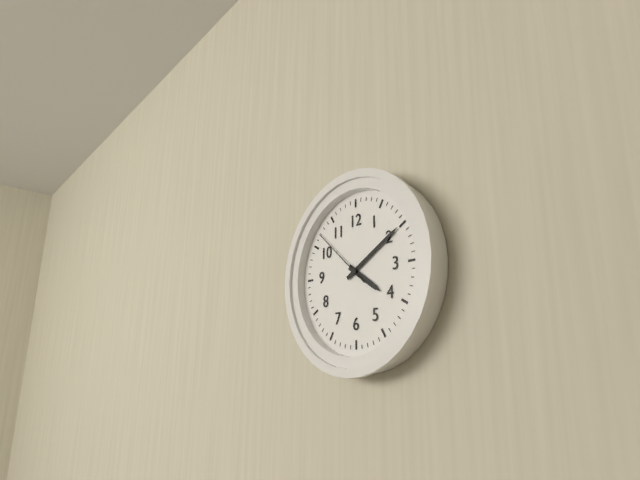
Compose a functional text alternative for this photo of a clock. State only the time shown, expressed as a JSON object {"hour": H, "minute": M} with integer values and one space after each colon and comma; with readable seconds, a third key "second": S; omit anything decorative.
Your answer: {"hour": 4, "minute": 10, "second": 52}
